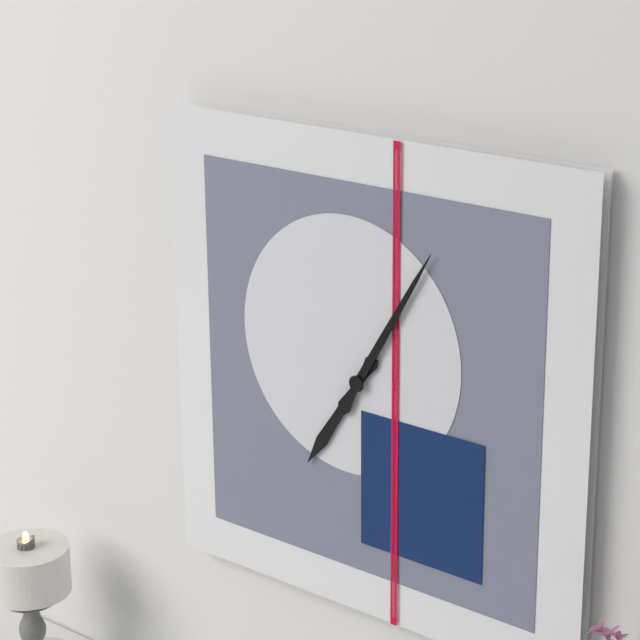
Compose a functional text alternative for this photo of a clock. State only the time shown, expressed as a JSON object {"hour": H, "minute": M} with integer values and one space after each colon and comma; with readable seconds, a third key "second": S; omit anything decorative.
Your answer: {"hour": 7, "minute": 5}
